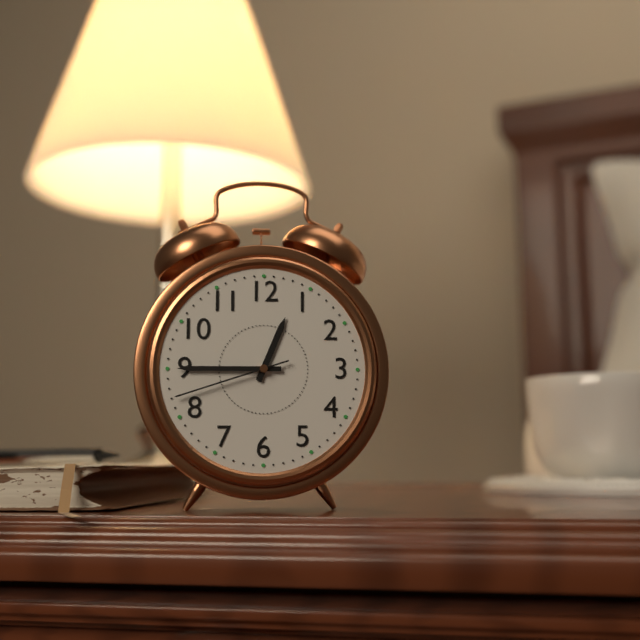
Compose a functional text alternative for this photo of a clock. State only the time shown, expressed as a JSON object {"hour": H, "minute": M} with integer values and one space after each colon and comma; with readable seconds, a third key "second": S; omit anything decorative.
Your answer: {"hour": 12, "minute": 45, "second": 42}
